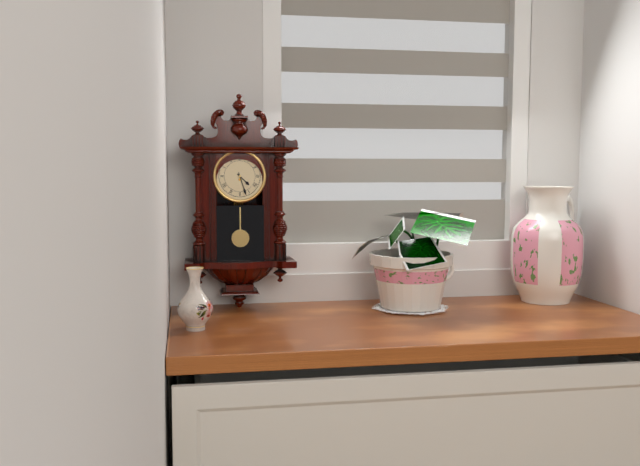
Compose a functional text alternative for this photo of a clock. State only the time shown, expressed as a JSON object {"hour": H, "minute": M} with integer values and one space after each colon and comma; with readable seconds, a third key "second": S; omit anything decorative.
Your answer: {"hour": 4, "minute": 27}
